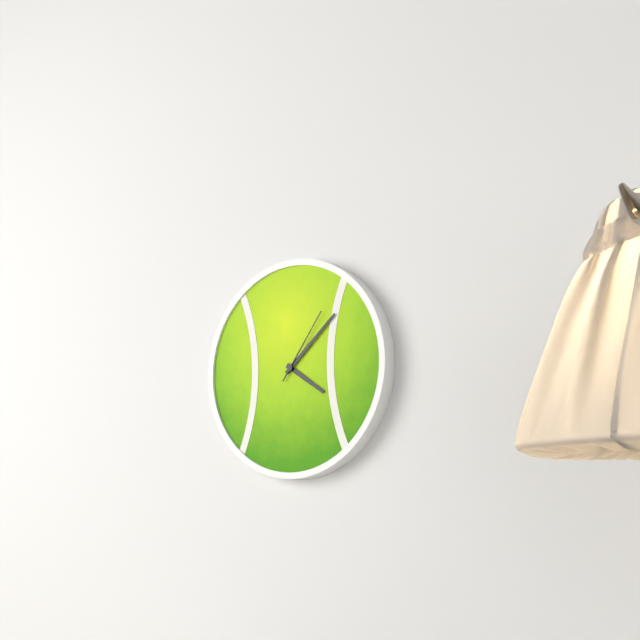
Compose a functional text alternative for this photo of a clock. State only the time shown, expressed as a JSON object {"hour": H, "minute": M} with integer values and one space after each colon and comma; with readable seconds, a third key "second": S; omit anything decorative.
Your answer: {"hour": 4, "minute": 8, "second": 6}
